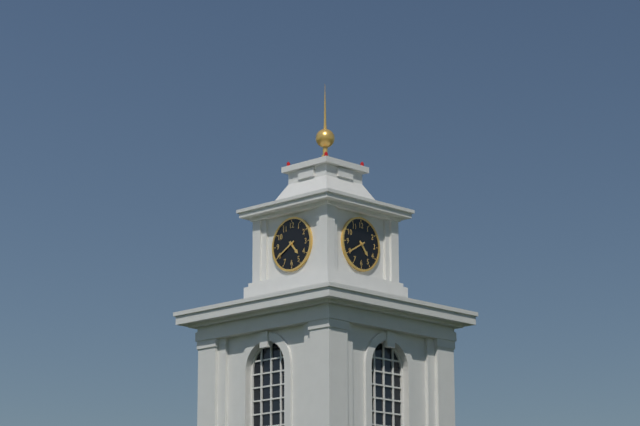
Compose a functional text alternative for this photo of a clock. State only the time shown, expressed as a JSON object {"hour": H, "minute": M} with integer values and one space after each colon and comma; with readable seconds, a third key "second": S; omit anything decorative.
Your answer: {"hour": 4, "minute": 40}
